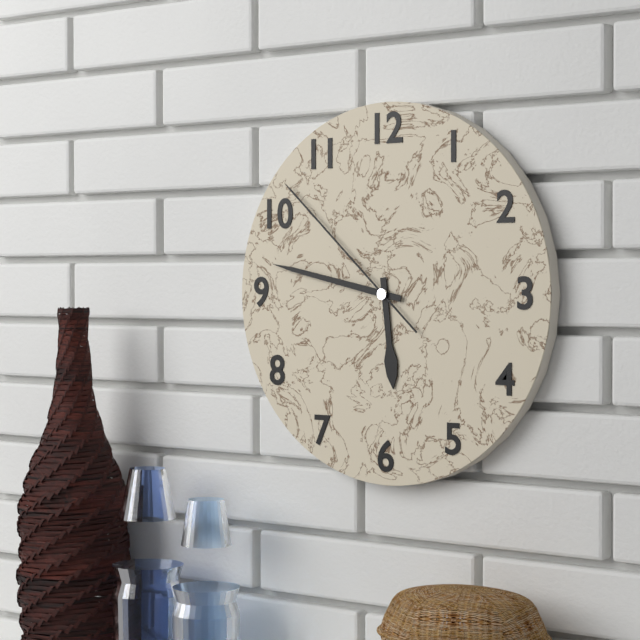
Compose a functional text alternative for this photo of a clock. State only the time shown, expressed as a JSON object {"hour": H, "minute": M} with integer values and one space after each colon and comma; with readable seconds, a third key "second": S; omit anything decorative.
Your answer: {"hour": 5, "minute": 47, "second": 52}
